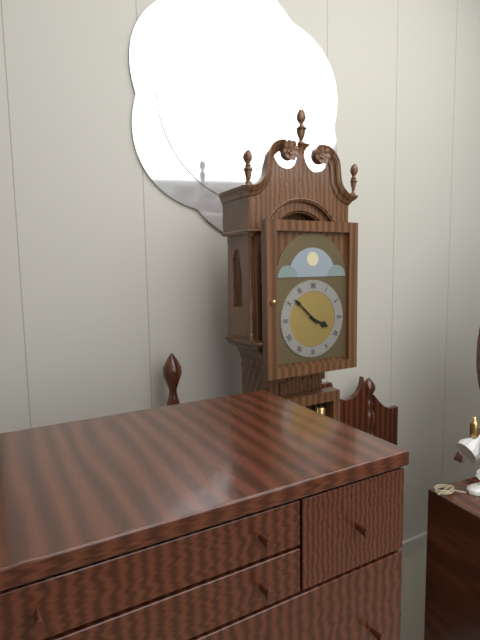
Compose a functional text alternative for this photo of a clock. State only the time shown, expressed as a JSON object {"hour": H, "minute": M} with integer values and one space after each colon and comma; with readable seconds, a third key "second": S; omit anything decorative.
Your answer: {"hour": 3, "minute": 52}
